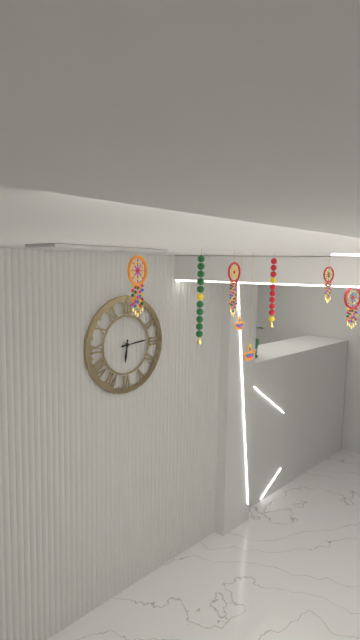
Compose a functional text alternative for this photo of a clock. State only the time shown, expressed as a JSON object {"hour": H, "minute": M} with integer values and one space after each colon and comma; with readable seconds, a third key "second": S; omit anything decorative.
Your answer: {"hour": 6, "minute": 14}
